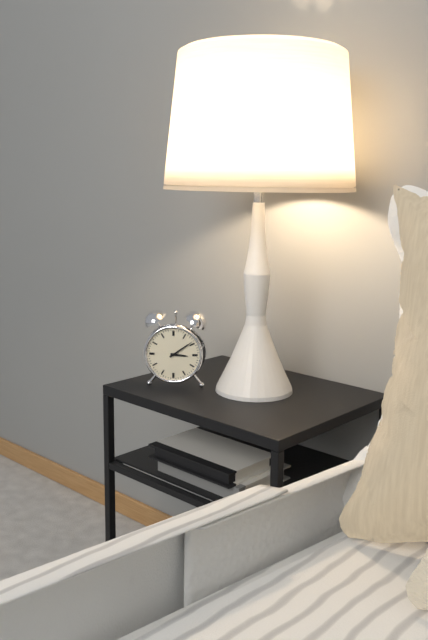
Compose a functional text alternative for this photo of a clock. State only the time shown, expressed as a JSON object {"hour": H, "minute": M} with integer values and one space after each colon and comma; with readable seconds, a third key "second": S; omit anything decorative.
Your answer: {"hour": 3, "minute": 9}
